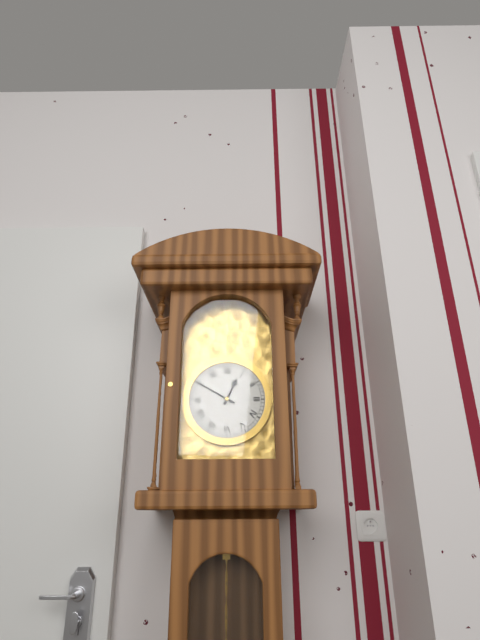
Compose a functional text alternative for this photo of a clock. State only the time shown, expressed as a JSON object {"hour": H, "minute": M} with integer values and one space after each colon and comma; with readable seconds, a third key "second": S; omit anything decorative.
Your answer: {"hour": 12, "minute": 50}
